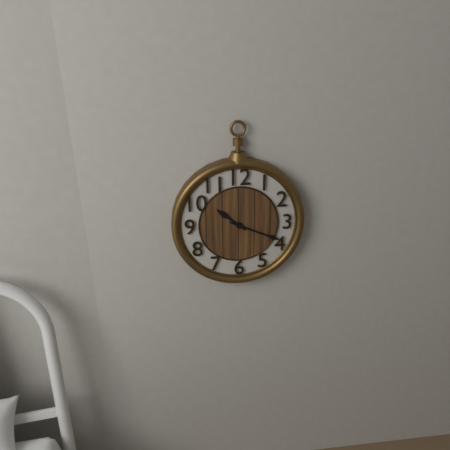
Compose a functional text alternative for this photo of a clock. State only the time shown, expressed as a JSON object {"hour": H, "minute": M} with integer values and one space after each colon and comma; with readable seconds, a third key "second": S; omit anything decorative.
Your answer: {"hour": 10, "minute": 19}
